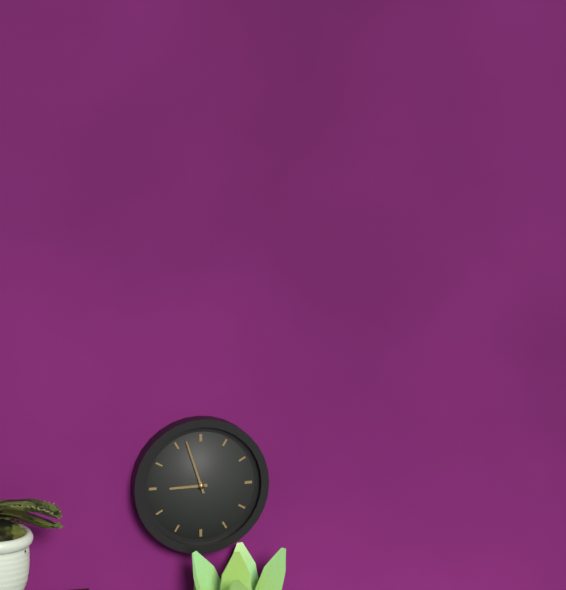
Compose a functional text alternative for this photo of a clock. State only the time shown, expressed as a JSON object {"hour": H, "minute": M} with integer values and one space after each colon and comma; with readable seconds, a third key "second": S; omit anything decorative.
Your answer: {"hour": 8, "minute": 57}
